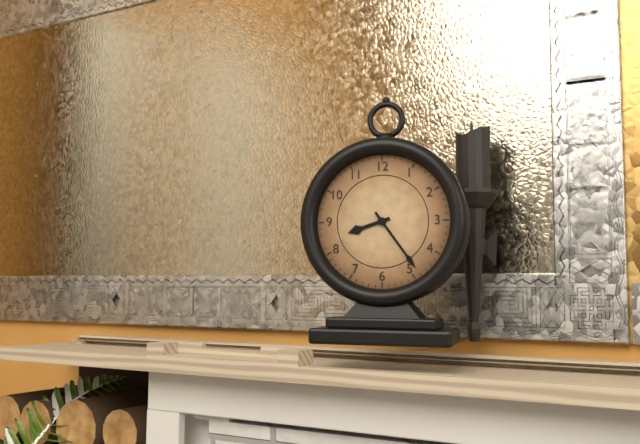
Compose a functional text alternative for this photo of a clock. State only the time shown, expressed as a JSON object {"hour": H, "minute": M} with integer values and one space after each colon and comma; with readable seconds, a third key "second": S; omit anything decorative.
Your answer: {"hour": 8, "minute": 24}
